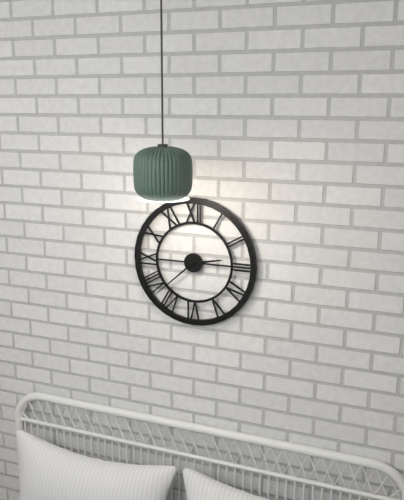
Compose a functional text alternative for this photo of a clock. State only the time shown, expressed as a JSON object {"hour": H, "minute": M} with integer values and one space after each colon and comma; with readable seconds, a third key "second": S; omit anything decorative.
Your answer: {"hour": 2, "minute": 38}
